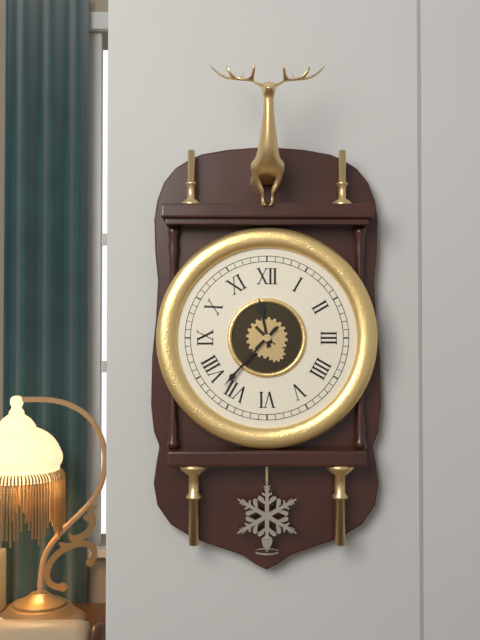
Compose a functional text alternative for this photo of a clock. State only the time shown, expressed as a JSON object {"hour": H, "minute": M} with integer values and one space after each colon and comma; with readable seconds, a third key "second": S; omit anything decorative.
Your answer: {"hour": 11, "minute": 37}
